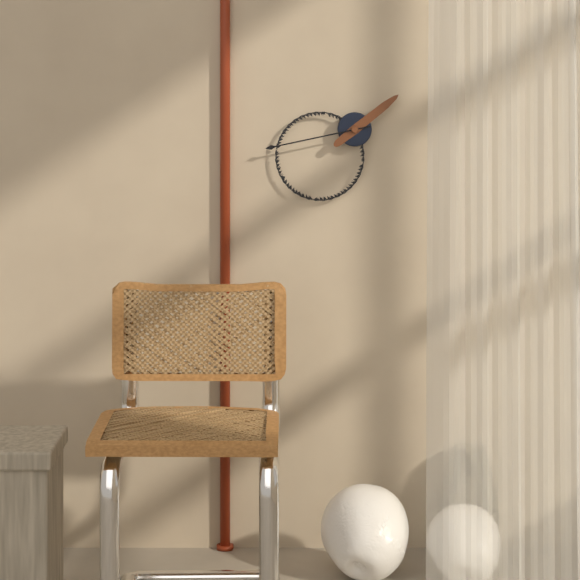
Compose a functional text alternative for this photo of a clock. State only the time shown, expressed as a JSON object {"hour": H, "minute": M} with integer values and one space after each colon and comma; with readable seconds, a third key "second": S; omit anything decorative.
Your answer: {"hour": 1, "minute": 43}
